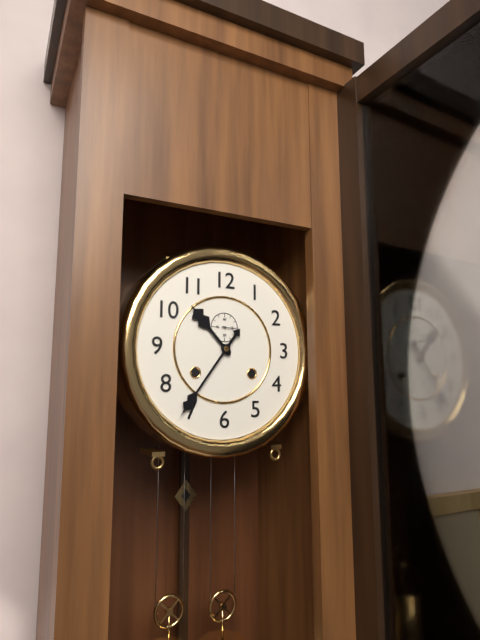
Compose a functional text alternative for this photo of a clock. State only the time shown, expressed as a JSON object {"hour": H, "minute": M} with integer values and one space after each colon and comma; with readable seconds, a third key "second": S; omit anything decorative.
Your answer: {"hour": 10, "minute": 36}
